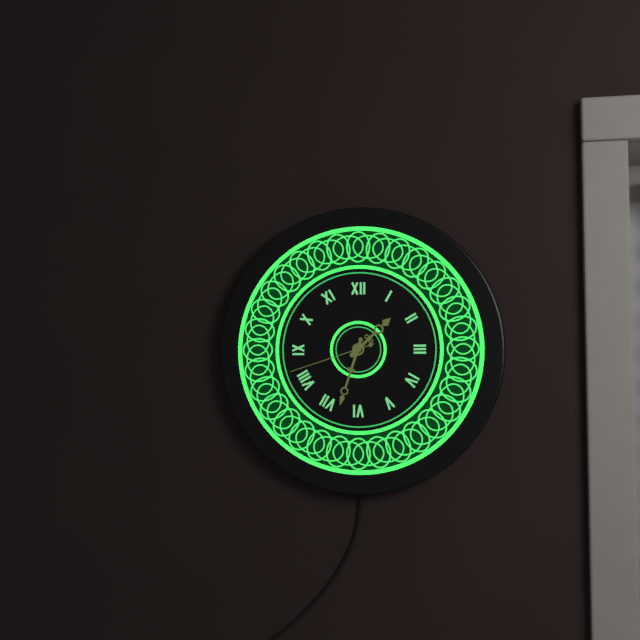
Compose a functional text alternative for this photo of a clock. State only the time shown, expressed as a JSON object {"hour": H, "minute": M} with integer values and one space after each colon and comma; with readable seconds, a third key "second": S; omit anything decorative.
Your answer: {"hour": 1, "minute": 33, "second": 42}
